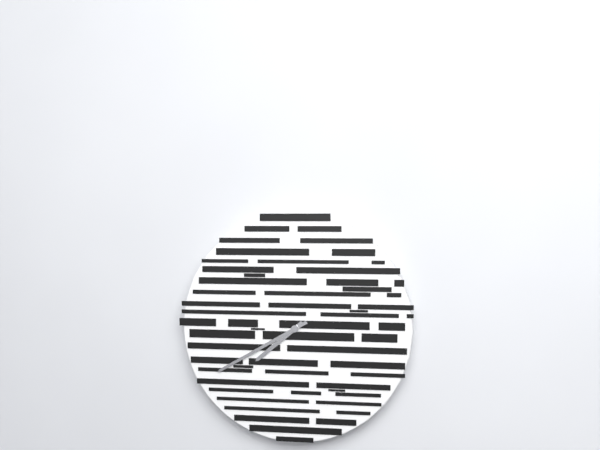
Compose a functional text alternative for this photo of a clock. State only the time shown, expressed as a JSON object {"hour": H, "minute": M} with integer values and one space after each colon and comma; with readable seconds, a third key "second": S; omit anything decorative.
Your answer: {"hour": 7, "minute": 40}
